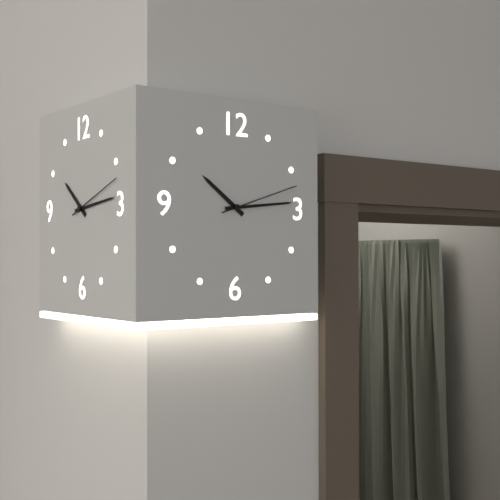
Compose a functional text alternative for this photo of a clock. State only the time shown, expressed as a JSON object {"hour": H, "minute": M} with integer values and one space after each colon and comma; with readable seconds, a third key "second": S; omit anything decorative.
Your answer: {"hour": 10, "minute": 14, "second": 12}
